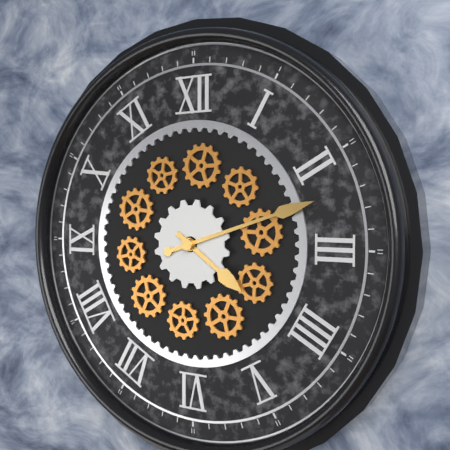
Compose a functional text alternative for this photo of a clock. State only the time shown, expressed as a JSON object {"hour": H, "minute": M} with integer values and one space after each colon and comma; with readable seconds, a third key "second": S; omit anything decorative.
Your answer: {"hour": 4, "minute": 12}
